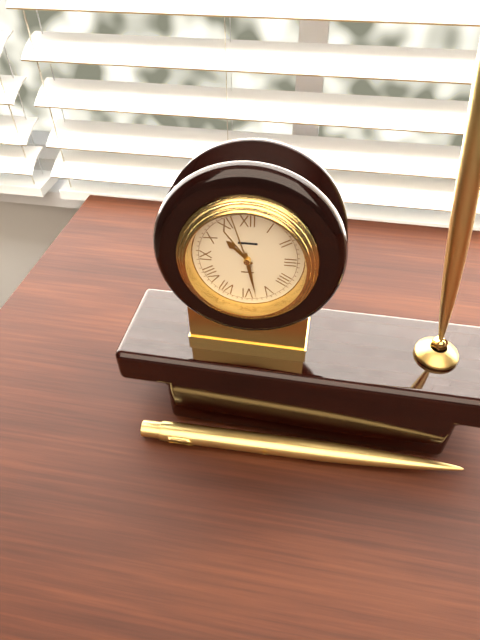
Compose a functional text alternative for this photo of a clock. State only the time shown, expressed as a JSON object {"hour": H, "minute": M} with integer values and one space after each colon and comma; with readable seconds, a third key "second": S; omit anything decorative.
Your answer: {"hour": 10, "minute": 28, "second": 57}
